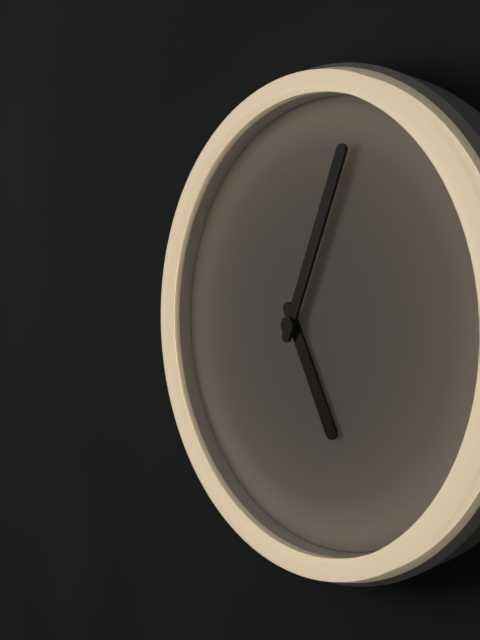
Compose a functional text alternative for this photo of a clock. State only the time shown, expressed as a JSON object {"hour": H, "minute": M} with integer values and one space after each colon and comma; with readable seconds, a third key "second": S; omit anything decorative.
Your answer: {"hour": 5, "minute": 4}
